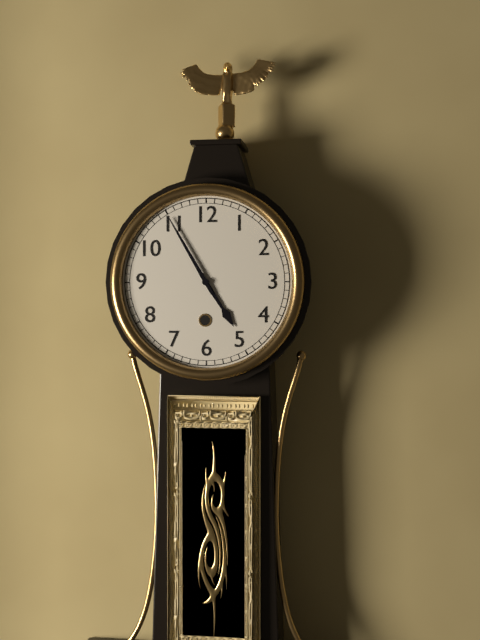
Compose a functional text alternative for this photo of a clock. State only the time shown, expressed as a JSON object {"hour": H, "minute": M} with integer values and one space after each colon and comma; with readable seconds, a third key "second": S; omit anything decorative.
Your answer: {"hour": 4, "minute": 55}
